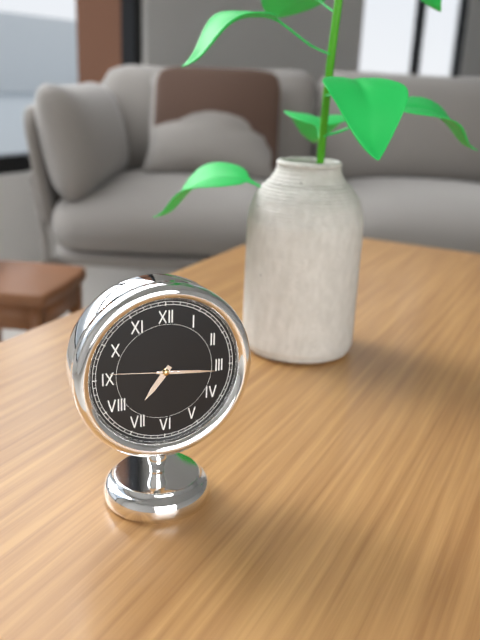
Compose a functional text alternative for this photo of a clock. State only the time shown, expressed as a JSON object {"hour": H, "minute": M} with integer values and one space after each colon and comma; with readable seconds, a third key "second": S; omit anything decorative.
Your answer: {"hour": 7, "minute": 16, "second": 46}
